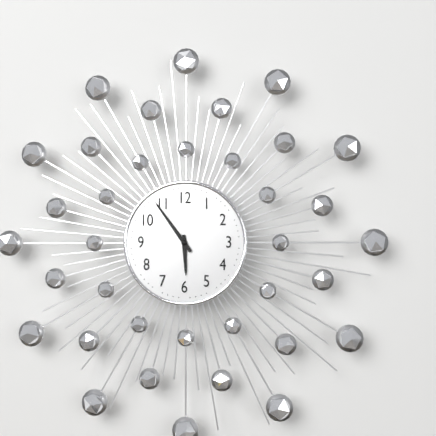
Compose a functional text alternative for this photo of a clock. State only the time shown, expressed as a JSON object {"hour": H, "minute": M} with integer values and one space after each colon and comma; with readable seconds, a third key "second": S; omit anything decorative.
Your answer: {"hour": 5, "minute": 54}
